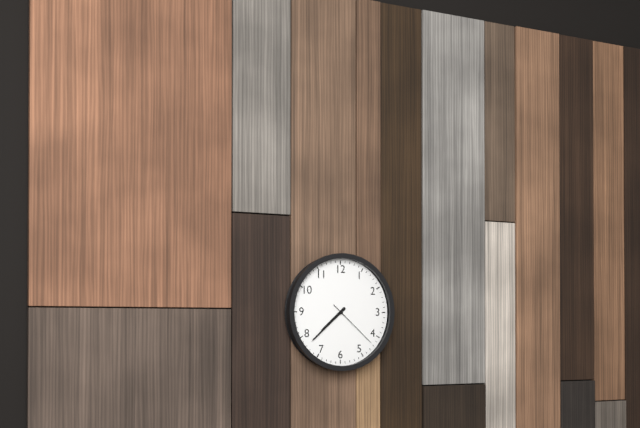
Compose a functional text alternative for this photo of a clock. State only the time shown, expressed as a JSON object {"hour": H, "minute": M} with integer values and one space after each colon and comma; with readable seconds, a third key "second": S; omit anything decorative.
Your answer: {"hour": 7, "minute": 38, "second": 22}
